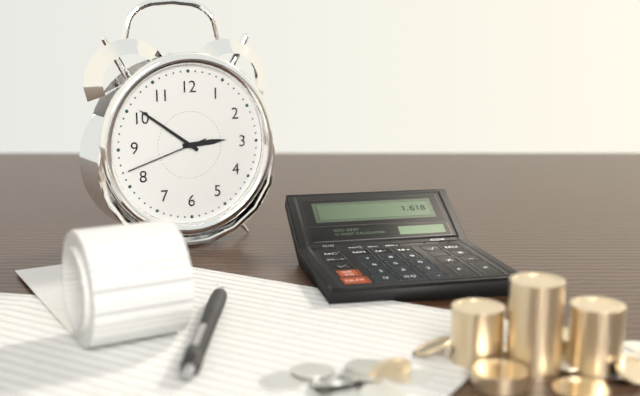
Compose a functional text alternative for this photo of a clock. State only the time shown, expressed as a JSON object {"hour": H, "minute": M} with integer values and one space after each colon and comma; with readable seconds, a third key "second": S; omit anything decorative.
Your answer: {"hour": 2, "minute": 51, "second": 42}
